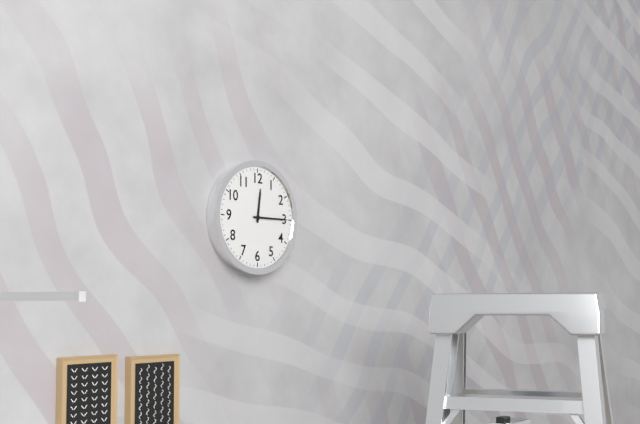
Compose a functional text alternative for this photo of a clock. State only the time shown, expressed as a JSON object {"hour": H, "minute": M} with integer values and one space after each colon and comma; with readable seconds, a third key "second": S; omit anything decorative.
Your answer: {"hour": 12, "minute": 15}
